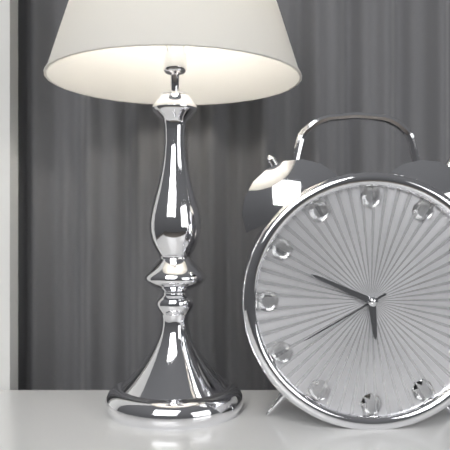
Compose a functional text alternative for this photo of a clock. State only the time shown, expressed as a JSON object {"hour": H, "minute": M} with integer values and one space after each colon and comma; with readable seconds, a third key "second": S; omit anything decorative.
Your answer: {"hour": 5, "minute": 49, "second": 40}
